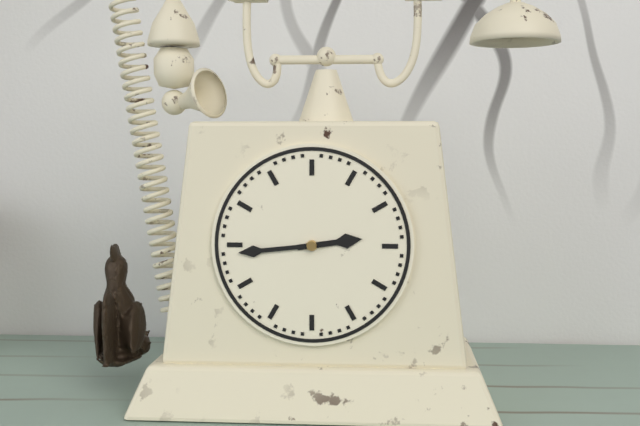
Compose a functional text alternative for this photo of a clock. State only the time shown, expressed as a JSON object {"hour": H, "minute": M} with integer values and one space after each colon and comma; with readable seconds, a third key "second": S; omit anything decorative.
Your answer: {"hour": 2, "minute": 44}
